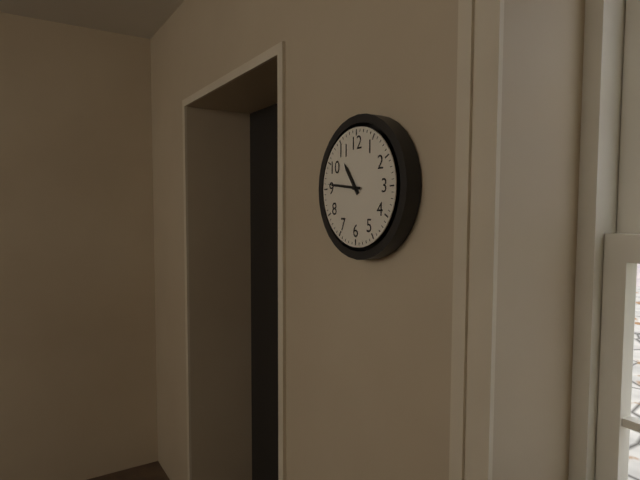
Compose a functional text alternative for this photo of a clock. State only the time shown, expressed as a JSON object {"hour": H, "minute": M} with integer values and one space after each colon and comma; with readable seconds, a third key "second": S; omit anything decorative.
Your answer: {"hour": 10, "minute": 46}
